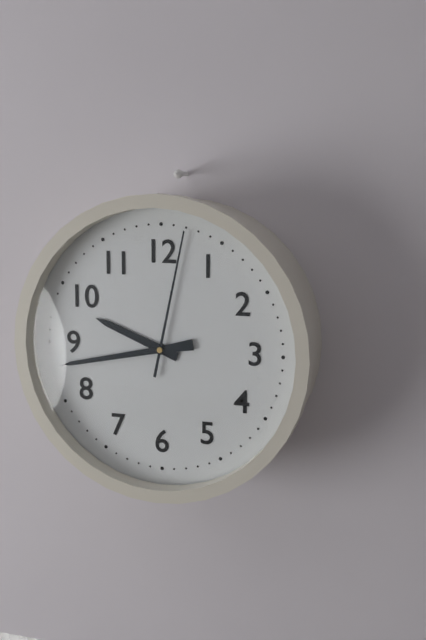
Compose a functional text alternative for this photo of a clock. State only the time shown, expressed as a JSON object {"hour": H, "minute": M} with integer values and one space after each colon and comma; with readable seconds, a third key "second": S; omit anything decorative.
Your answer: {"hour": 9, "minute": 43, "second": 2}
